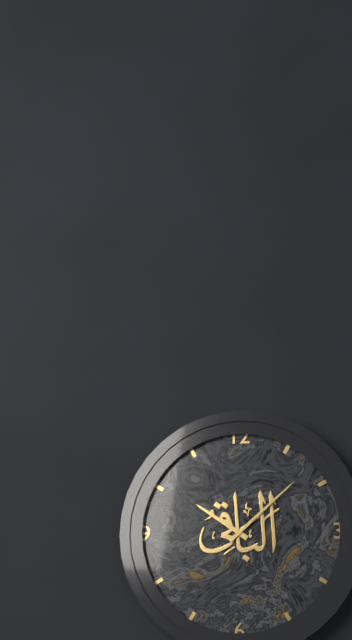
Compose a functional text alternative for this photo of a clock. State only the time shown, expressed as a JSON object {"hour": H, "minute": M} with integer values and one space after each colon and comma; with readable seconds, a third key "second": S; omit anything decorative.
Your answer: {"hour": 10, "minute": 8}
